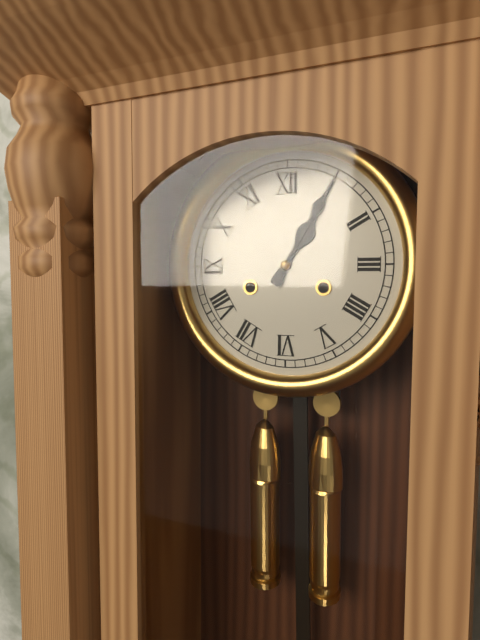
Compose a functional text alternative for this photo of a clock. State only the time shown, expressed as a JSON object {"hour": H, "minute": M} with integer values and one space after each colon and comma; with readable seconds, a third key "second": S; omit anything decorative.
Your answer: {"hour": 1, "minute": 5}
